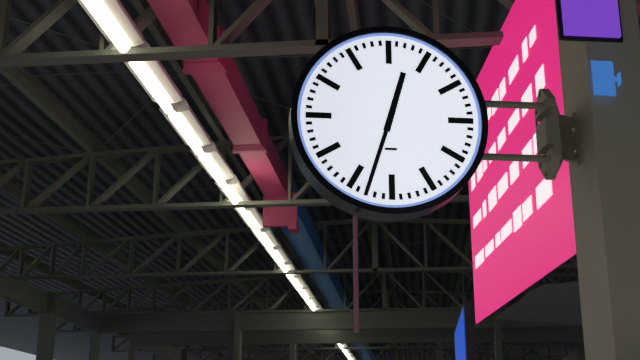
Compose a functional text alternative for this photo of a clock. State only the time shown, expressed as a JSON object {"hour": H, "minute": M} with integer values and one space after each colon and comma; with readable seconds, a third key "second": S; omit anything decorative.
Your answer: {"hour": 12, "minute": 33}
